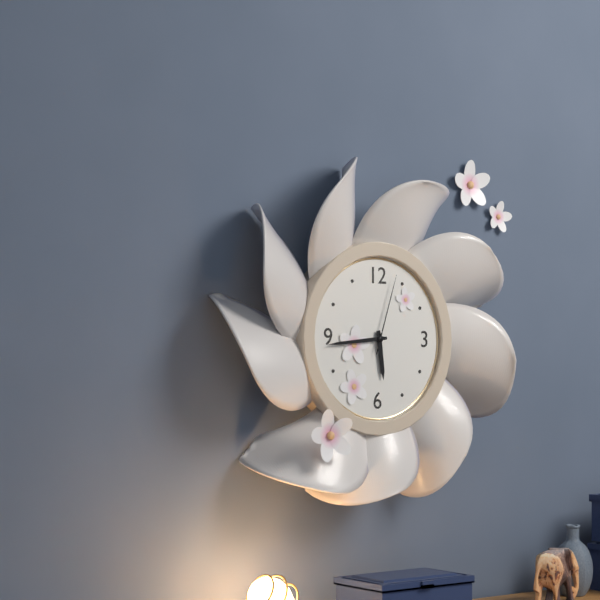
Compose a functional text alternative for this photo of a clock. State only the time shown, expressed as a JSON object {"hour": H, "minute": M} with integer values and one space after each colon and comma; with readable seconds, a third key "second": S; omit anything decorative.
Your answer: {"hour": 5, "minute": 44, "second": 3}
